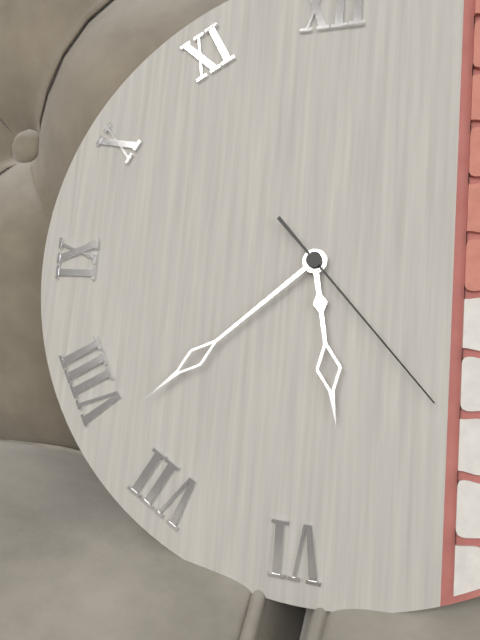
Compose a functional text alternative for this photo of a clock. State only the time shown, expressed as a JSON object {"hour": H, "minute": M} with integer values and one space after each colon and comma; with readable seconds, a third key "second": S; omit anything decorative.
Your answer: {"hour": 5, "minute": 38, "second": 23}
